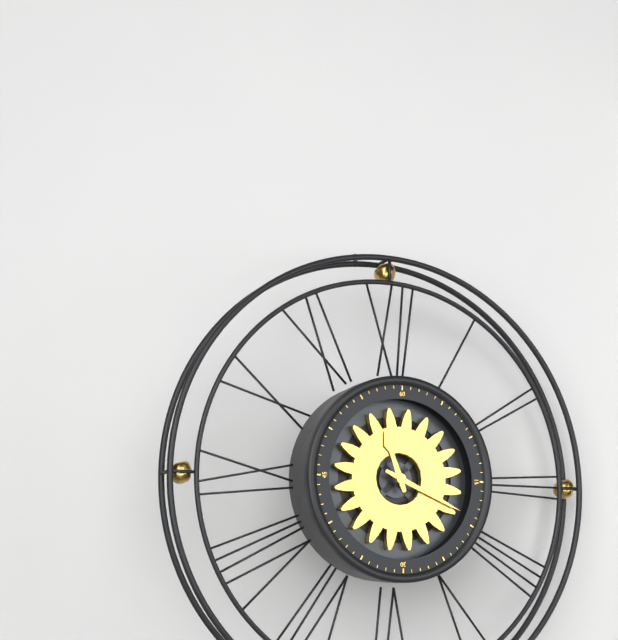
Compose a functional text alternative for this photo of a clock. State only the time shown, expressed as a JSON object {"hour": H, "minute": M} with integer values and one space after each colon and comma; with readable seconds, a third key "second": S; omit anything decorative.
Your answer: {"hour": 11, "minute": 19}
